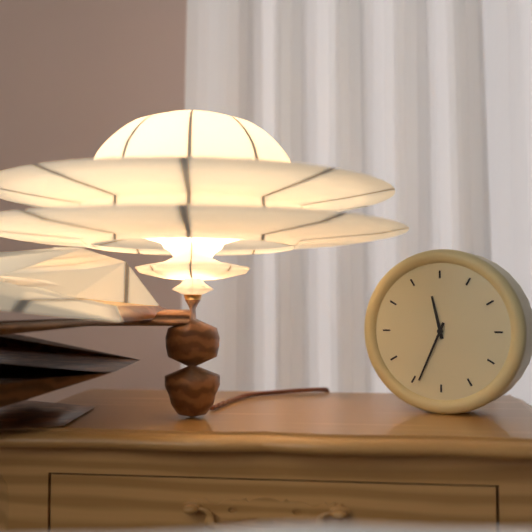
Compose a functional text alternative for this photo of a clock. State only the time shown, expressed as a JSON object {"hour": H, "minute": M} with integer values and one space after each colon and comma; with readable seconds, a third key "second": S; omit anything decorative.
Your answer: {"hour": 11, "minute": 34}
